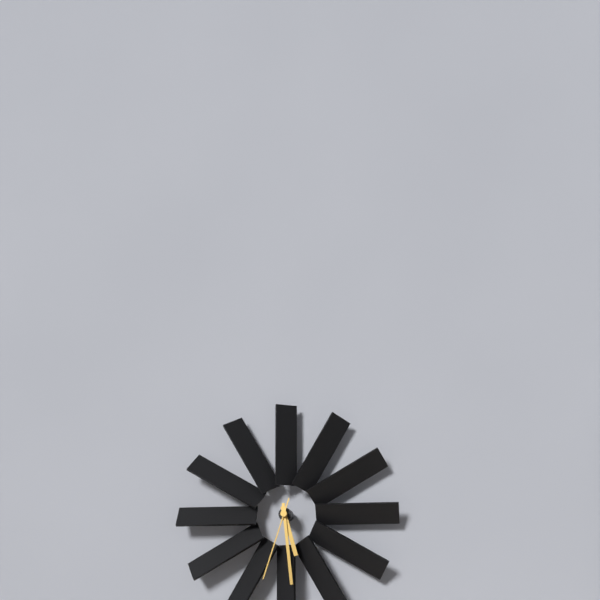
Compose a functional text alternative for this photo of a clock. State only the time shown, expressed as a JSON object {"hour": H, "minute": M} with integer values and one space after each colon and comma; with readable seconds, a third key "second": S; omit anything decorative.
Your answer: {"hour": 5, "minute": 29, "second": 33}
